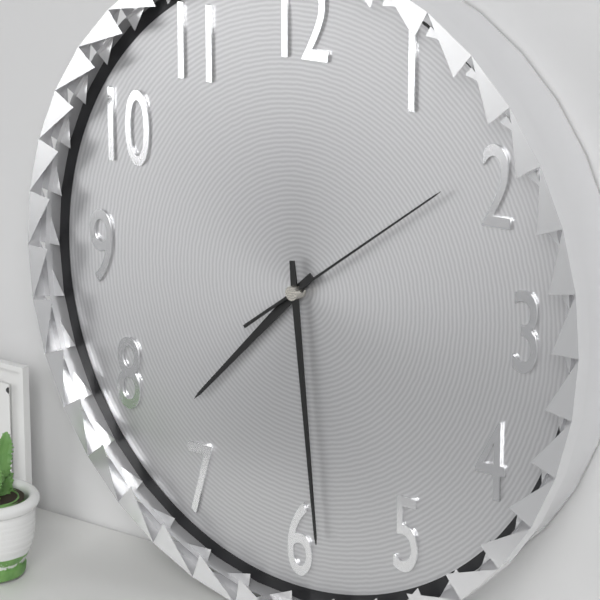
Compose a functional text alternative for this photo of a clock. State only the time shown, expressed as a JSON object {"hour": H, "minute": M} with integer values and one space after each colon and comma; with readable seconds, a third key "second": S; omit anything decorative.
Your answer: {"hour": 7, "minute": 29, "second": 9}
